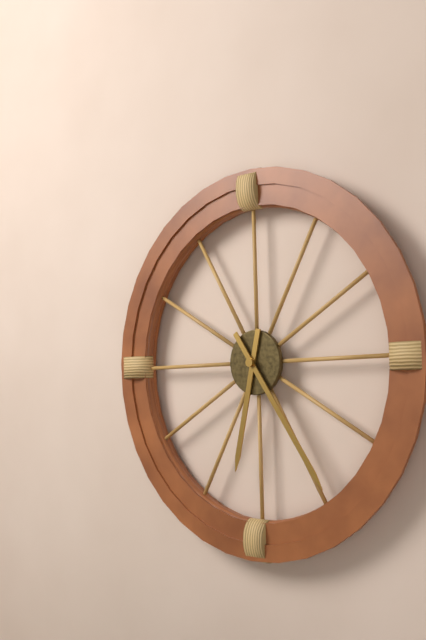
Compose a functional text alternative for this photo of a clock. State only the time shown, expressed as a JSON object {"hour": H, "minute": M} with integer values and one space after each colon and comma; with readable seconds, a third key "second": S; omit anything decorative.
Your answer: {"hour": 6, "minute": 24}
